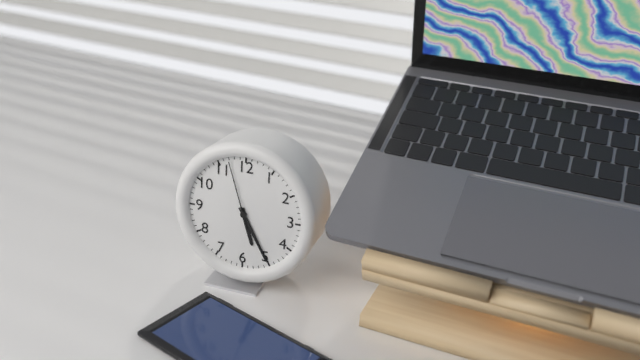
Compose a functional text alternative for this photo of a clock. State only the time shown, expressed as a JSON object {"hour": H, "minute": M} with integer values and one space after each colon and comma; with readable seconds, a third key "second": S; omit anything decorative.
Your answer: {"hour": 5, "minute": 25, "second": 57}
